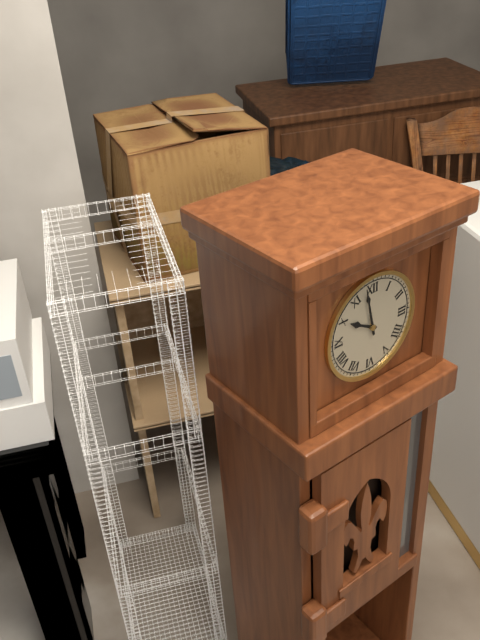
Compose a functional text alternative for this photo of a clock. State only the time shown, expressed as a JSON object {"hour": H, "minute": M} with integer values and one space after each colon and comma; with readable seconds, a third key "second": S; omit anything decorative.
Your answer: {"hour": 9, "minute": 58}
